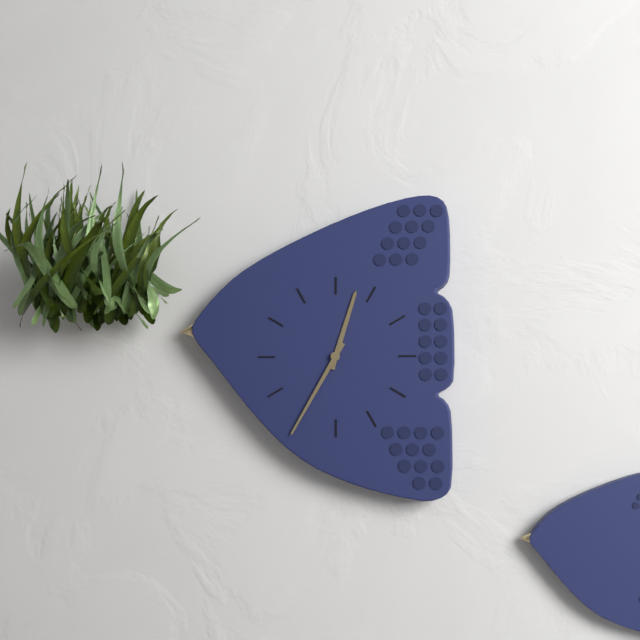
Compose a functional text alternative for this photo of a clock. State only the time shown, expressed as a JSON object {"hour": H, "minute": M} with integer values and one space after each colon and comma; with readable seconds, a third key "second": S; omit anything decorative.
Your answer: {"hour": 12, "minute": 35}
